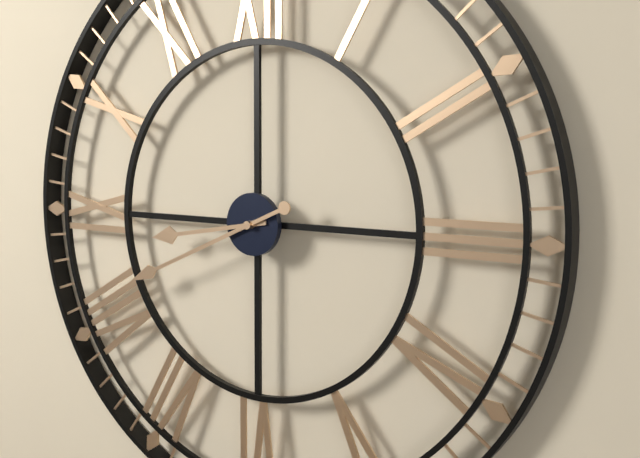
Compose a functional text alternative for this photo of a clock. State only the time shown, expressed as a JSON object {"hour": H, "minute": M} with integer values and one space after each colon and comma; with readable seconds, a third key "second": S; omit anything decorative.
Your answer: {"hour": 8, "minute": 41}
